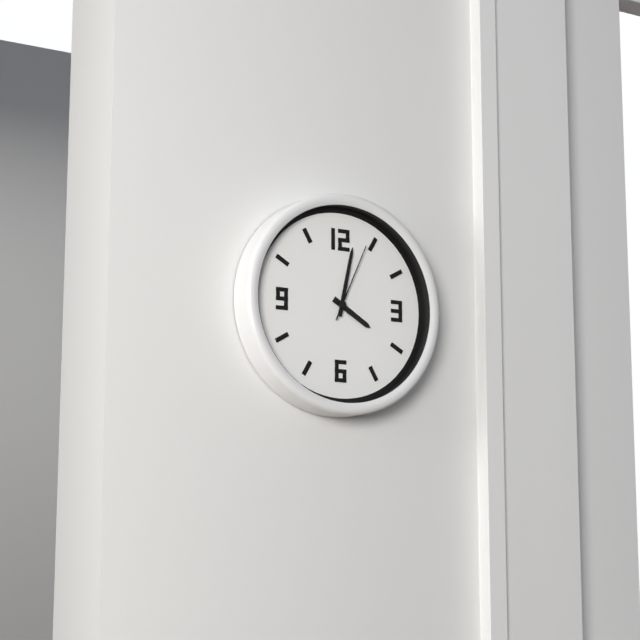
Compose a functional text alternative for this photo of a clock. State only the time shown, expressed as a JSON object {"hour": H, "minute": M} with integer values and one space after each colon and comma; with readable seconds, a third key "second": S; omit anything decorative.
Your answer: {"hour": 4, "minute": 2, "second": 4}
